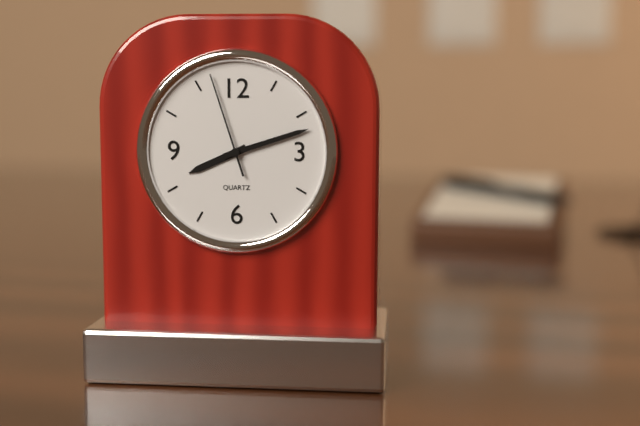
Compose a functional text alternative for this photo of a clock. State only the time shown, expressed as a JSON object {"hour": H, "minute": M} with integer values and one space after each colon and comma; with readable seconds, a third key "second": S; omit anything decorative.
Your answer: {"hour": 8, "minute": 12, "second": 57}
